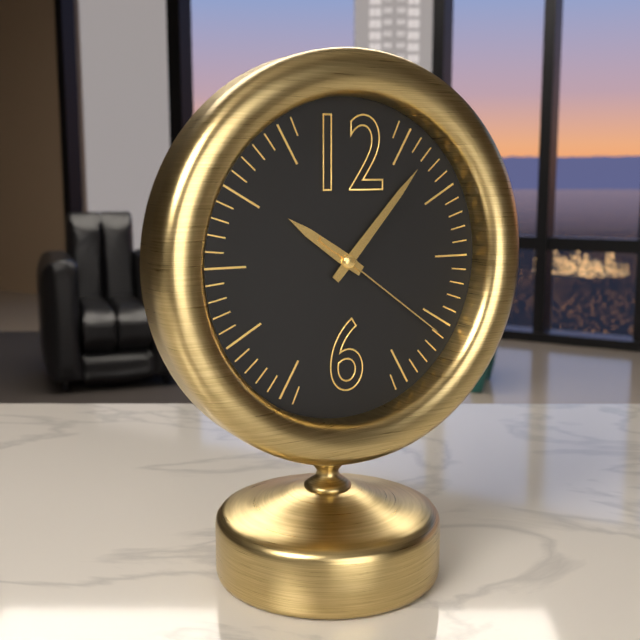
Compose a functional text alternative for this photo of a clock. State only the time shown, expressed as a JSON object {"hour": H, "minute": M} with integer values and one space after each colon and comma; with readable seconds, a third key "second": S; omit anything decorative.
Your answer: {"hour": 10, "minute": 7, "second": 21}
